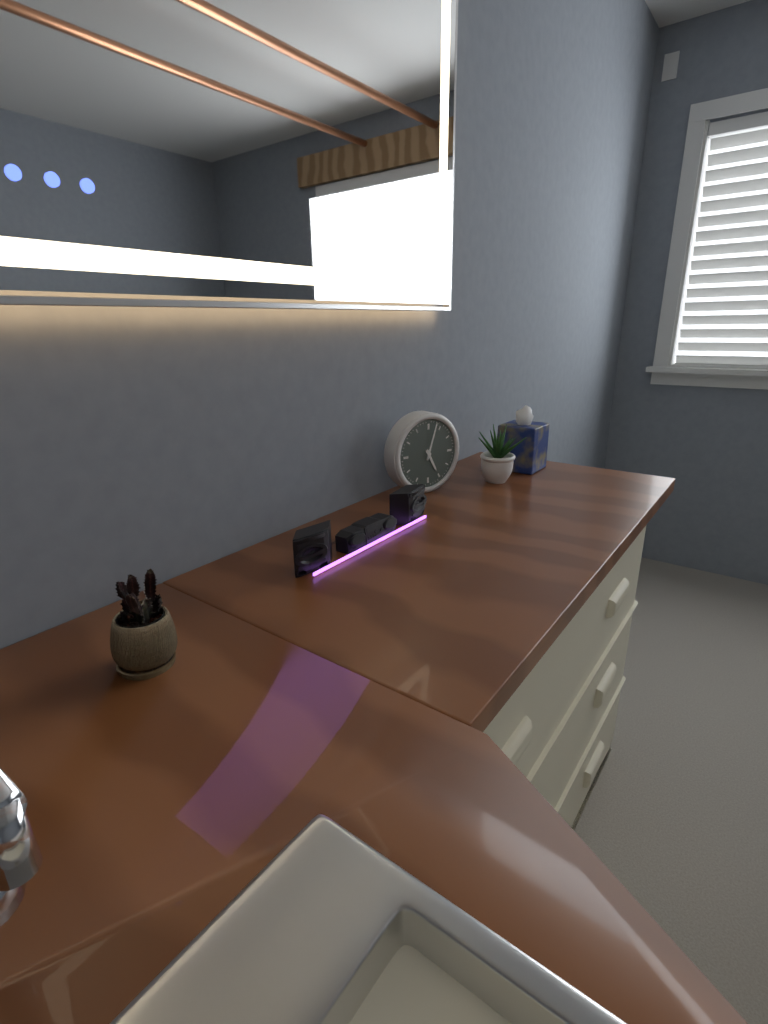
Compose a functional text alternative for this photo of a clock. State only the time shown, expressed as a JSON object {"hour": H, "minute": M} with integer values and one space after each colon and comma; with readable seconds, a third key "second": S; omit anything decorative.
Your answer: {"hour": 5, "minute": 3}
